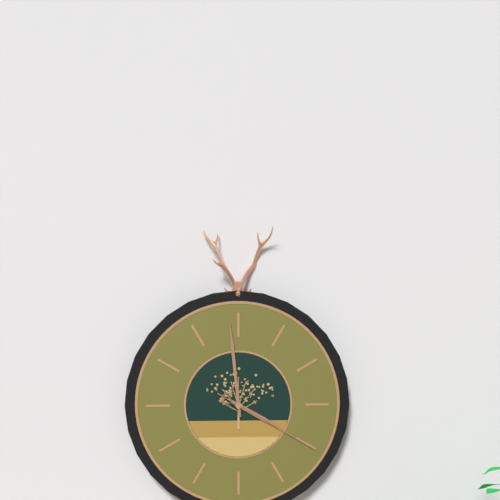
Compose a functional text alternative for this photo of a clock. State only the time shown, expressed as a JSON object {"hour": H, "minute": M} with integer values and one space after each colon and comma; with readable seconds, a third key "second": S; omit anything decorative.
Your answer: {"hour": 3, "minute": 59, "second": 20}
